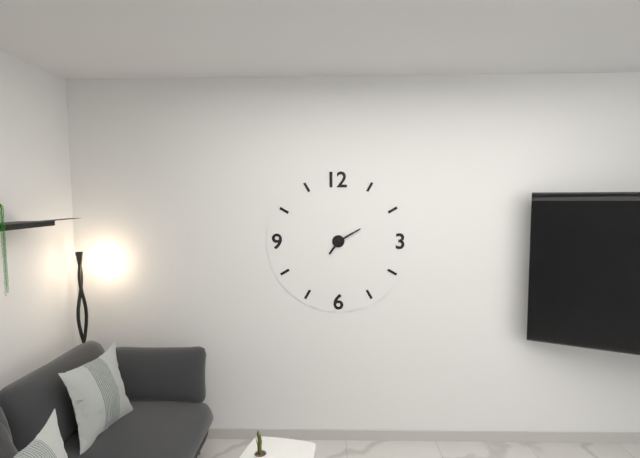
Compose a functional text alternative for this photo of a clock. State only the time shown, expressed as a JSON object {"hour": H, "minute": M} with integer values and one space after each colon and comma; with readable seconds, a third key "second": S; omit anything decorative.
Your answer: {"hour": 7, "minute": 10}
